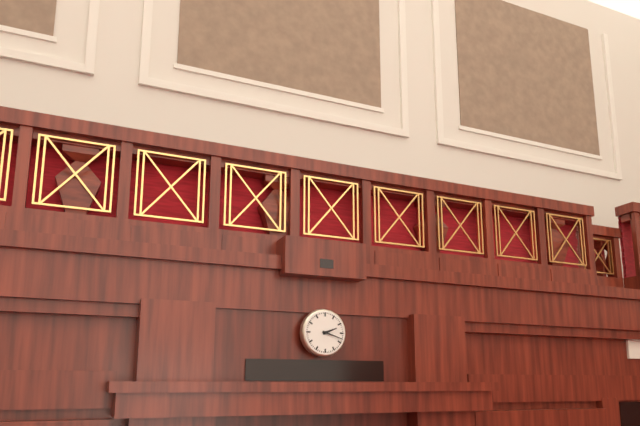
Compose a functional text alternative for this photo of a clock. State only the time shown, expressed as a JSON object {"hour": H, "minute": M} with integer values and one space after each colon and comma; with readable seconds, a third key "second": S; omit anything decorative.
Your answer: {"hour": 2, "minute": 18}
